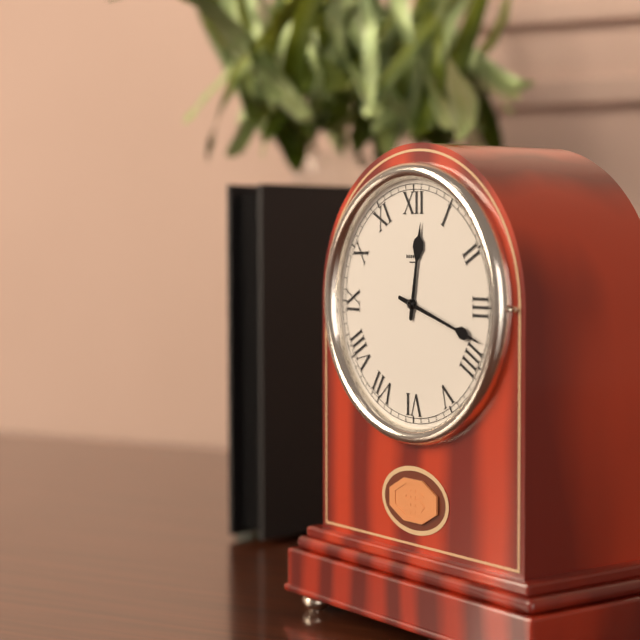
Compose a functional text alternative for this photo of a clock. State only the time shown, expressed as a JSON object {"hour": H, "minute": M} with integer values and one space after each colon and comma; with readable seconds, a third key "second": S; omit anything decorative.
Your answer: {"hour": 12, "minute": 18}
